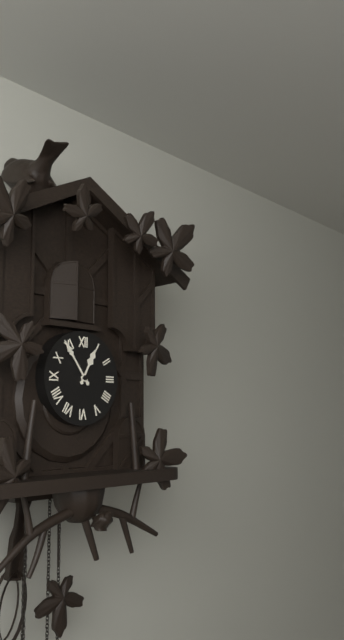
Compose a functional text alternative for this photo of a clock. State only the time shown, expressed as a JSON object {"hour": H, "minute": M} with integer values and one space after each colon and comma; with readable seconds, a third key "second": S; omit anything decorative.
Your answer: {"hour": 12, "minute": 54}
